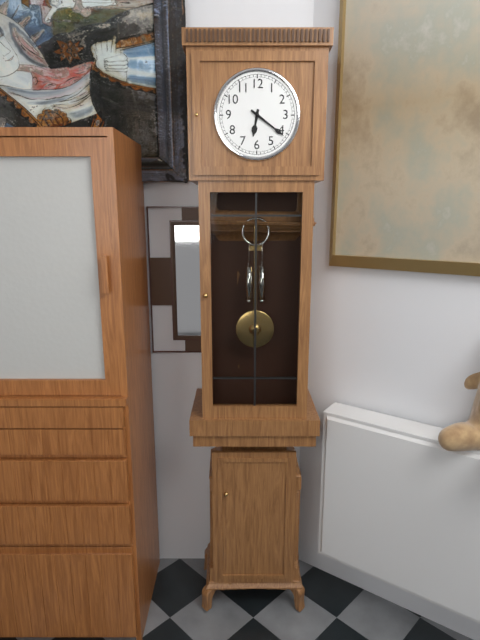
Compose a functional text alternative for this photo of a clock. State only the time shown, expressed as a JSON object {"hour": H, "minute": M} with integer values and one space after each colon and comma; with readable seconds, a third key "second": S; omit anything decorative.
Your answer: {"hour": 6, "minute": 21}
